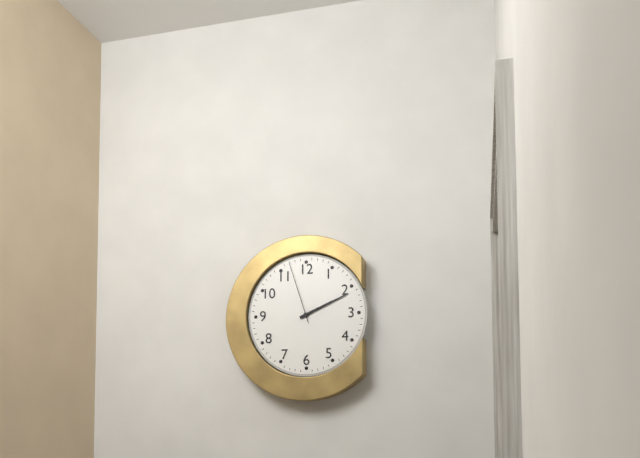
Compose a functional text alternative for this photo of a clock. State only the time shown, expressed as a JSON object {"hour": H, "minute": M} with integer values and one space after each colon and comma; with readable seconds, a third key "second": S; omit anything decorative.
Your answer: {"hour": 2, "minute": 11, "second": 57}
